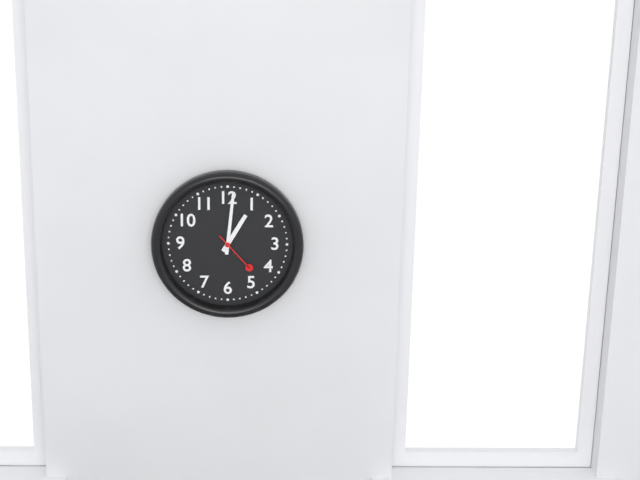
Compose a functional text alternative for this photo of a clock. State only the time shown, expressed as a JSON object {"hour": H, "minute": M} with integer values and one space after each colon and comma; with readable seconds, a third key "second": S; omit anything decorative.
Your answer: {"hour": 1, "minute": 1}
